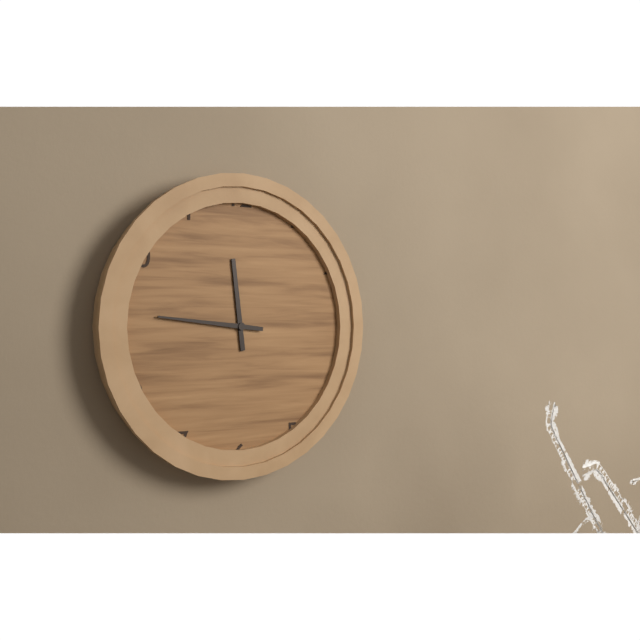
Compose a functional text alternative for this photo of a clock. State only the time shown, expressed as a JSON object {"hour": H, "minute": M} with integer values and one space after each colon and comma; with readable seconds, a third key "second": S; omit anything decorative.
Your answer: {"hour": 11, "minute": 46}
